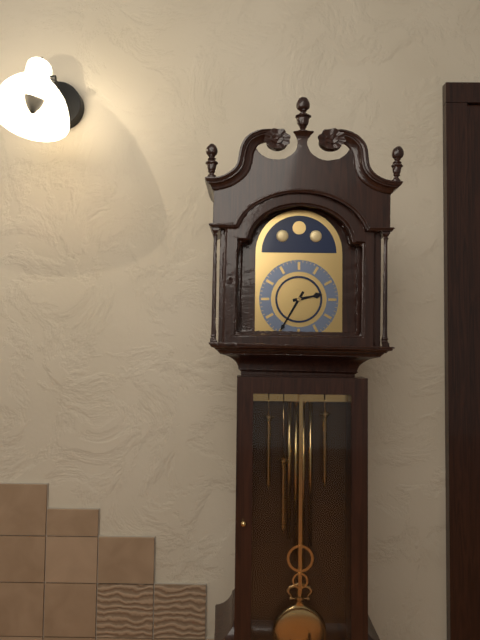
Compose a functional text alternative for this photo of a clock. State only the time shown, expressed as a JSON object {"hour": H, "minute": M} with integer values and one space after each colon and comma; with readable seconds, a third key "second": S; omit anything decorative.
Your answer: {"hour": 2, "minute": 35}
